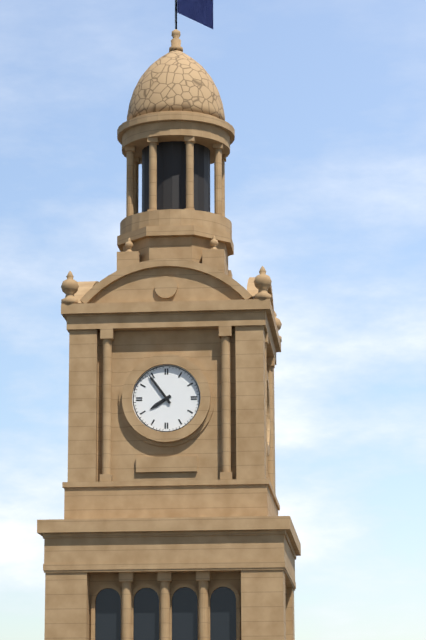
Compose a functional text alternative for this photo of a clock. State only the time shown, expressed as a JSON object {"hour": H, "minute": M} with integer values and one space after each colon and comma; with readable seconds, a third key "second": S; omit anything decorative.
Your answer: {"hour": 7, "minute": 54}
